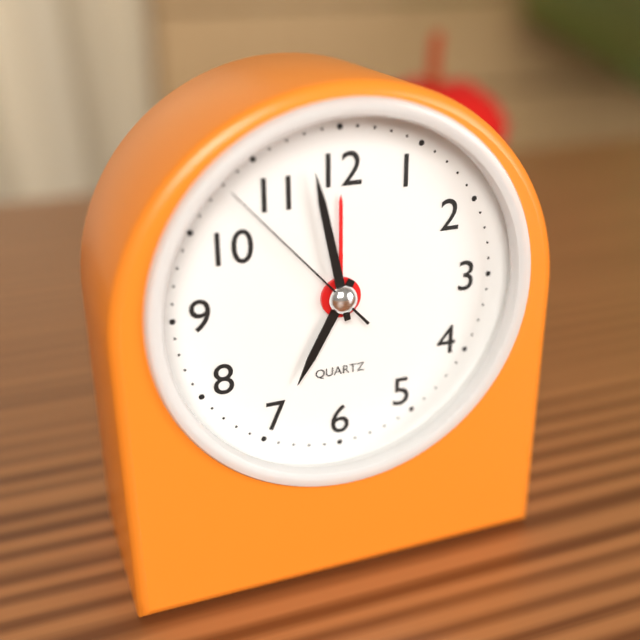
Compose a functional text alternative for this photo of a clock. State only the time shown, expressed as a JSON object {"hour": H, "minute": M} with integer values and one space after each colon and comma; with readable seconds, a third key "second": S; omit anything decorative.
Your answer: {"hour": 6, "minute": 58, "second": 53}
